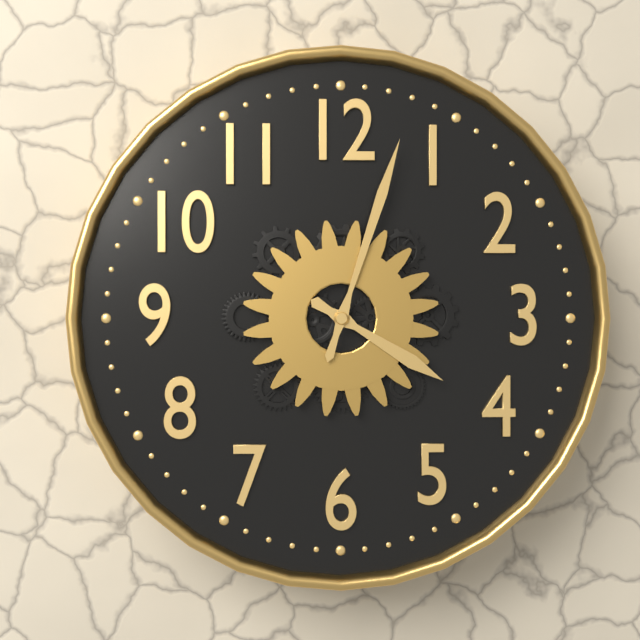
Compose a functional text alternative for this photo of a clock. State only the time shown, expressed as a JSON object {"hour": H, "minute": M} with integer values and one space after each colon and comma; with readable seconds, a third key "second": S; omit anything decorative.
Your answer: {"hour": 4, "minute": 3}
